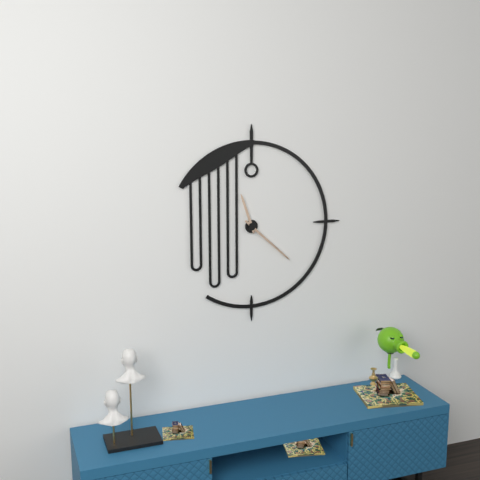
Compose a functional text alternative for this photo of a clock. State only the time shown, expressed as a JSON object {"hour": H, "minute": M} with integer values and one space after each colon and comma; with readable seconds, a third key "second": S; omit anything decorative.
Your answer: {"hour": 11, "minute": 22}
